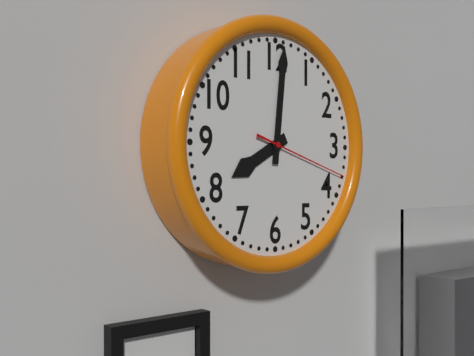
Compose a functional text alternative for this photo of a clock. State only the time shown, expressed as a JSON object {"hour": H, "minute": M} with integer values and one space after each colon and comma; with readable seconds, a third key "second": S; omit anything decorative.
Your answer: {"hour": 8, "minute": 1, "second": 18}
